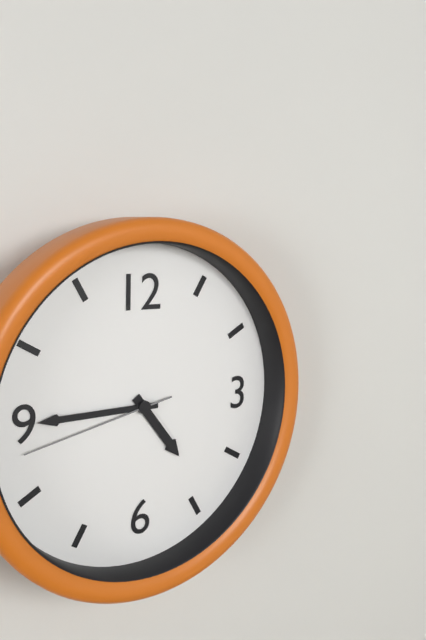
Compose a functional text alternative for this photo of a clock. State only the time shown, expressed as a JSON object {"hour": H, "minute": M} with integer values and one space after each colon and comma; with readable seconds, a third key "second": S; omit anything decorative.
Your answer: {"hour": 4, "minute": 45, "second": 43}
